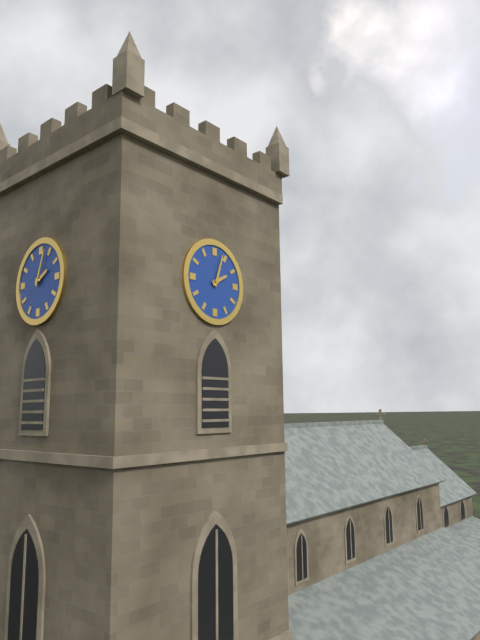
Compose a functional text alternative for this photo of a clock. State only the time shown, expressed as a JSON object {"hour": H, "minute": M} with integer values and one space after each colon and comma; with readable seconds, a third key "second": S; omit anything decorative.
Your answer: {"hour": 2, "minute": 3}
